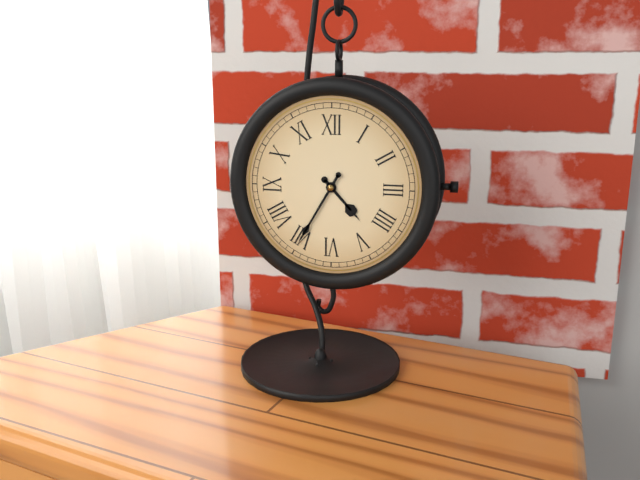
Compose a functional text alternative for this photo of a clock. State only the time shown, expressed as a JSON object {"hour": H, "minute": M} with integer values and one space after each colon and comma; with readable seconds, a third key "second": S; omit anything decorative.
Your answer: {"hour": 4, "minute": 35}
